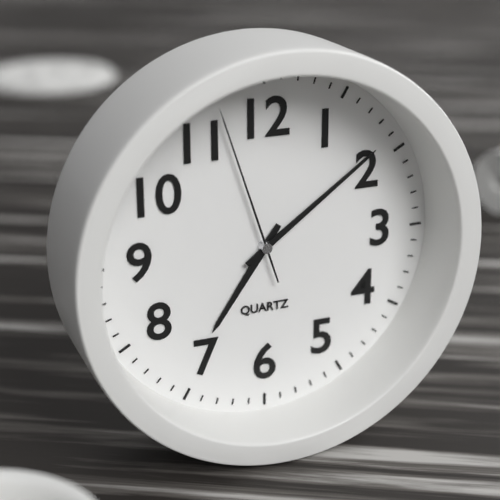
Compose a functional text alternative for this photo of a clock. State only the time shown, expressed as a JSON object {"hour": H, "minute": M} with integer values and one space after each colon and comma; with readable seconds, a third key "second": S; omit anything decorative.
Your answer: {"hour": 7, "minute": 9, "second": 57}
